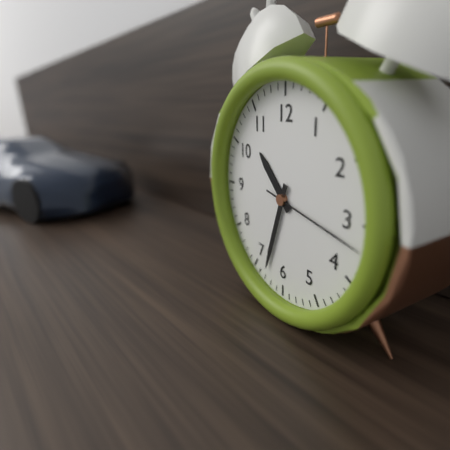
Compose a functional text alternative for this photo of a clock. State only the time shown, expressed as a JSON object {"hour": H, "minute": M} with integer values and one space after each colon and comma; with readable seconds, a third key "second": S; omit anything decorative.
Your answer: {"hour": 10, "minute": 33, "second": 17}
